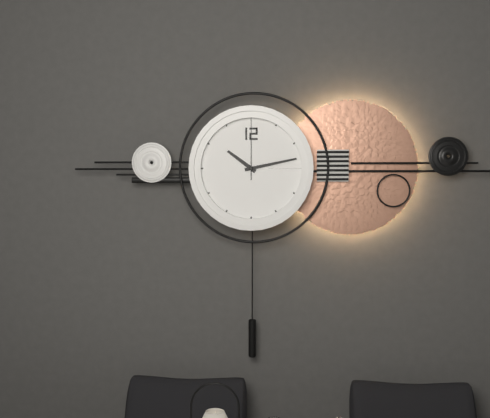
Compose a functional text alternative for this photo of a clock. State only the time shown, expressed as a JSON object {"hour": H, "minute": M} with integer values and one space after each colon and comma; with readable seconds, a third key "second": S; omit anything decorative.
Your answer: {"hour": 10, "minute": 13, "second": 0}
